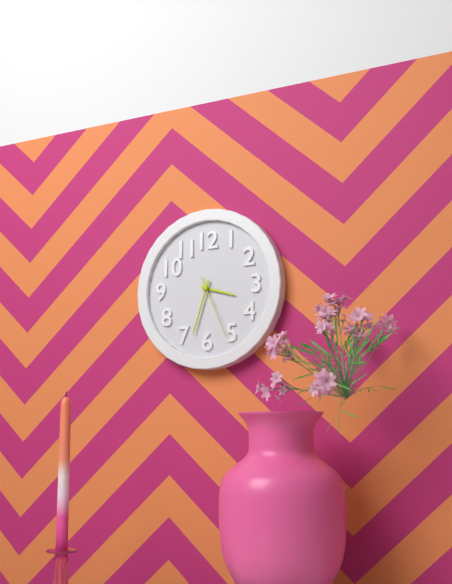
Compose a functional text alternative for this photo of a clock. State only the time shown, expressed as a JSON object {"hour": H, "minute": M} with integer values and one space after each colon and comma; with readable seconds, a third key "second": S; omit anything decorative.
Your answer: {"hour": 3, "minute": 33, "second": 26}
